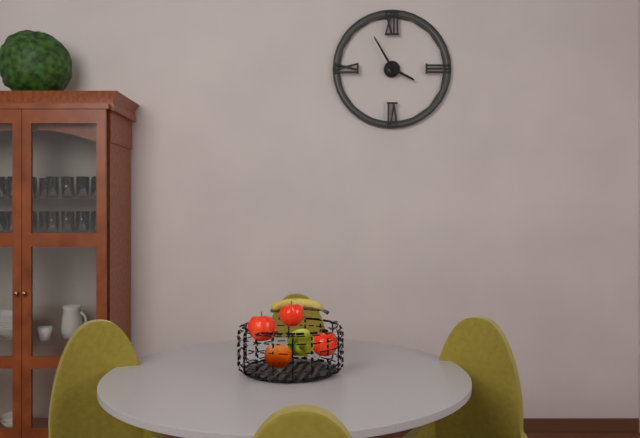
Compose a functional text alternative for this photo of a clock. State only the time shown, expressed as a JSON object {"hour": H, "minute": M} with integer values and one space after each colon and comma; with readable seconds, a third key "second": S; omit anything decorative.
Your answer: {"hour": 3, "minute": 55}
